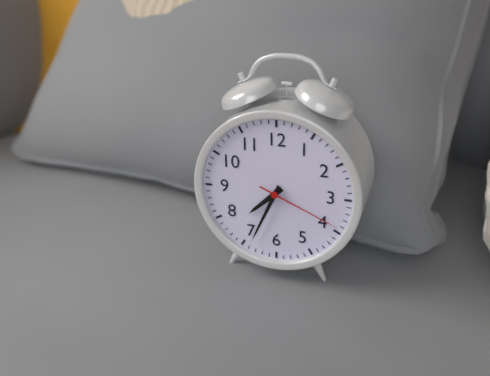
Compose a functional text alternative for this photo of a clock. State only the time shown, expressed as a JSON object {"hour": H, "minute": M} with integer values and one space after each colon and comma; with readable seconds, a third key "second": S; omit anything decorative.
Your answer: {"hour": 7, "minute": 34, "second": 19}
